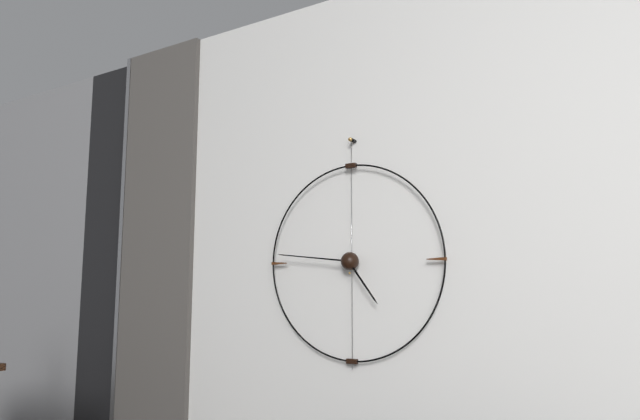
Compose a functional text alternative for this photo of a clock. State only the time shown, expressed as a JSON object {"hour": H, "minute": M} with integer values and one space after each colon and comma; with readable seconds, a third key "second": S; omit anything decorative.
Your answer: {"hour": 4, "minute": 46}
